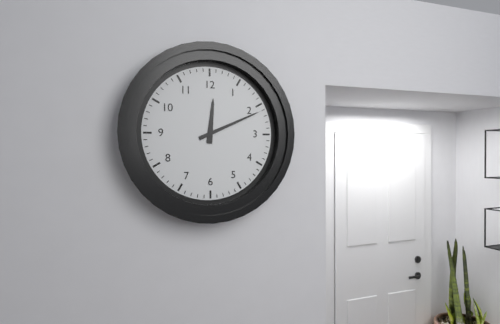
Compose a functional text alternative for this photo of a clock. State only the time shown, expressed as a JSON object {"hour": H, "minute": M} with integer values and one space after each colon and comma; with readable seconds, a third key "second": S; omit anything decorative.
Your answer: {"hour": 12, "minute": 11}
